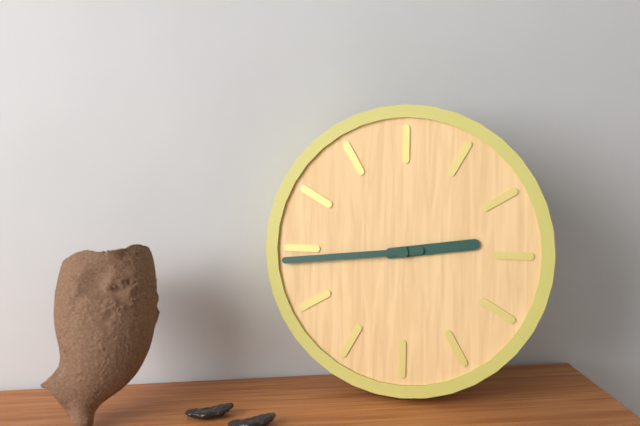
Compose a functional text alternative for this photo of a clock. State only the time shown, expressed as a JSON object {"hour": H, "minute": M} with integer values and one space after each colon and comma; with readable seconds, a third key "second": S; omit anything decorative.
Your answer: {"hour": 2, "minute": 44}
